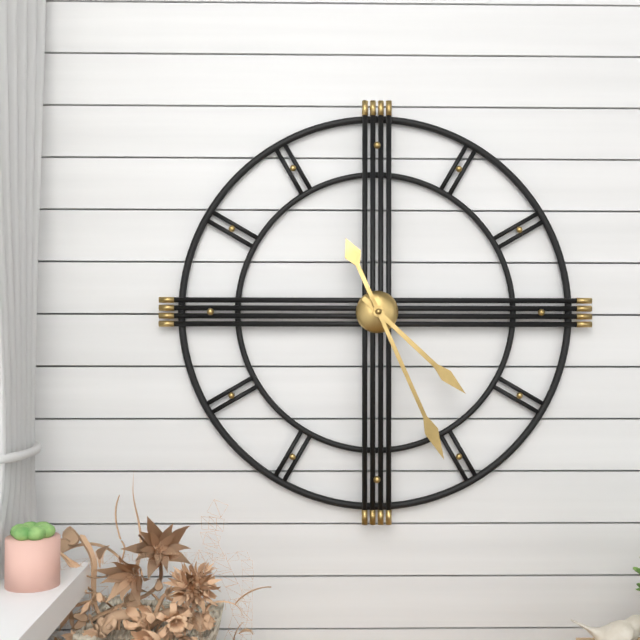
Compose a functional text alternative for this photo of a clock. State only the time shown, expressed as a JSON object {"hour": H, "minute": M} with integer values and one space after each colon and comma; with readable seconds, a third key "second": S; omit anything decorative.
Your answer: {"hour": 4, "minute": 26}
